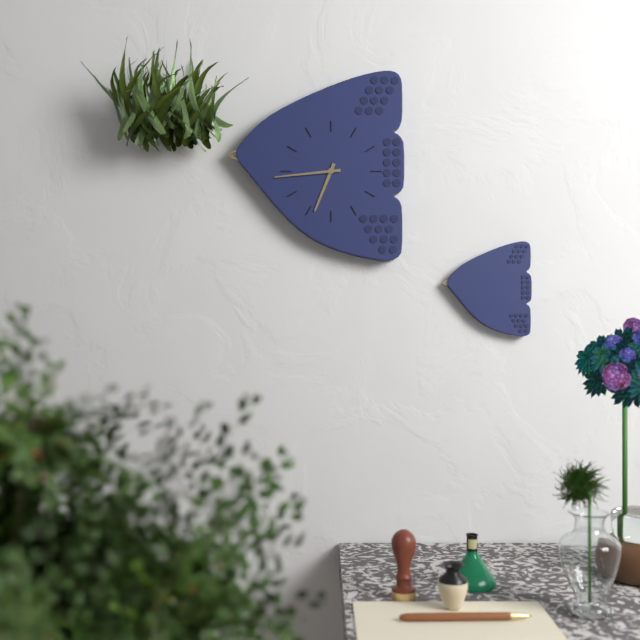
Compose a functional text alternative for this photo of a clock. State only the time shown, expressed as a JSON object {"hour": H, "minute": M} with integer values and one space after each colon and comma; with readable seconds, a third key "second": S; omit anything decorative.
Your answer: {"hour": 6, "minute": 44}
